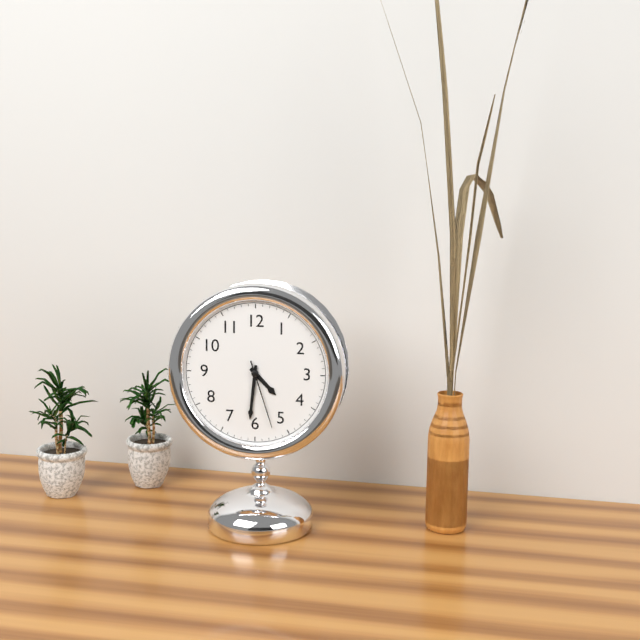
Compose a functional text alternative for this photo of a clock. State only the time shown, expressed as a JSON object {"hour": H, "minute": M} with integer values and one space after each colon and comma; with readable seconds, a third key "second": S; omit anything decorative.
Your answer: {"hour": 4, "minute": 31, "second": 27}
